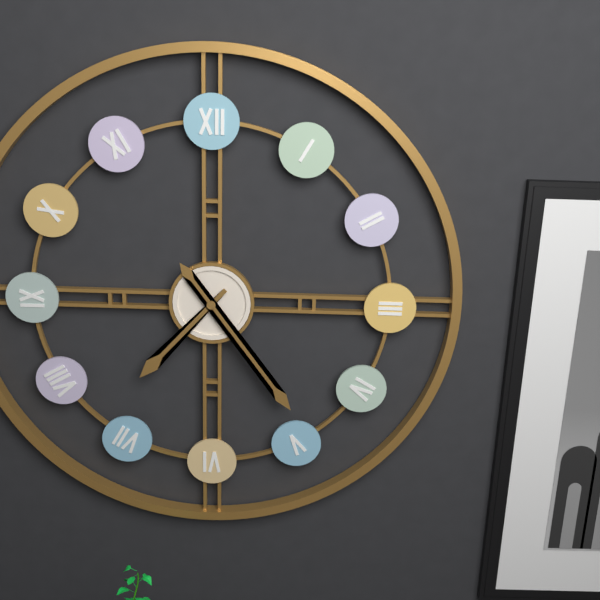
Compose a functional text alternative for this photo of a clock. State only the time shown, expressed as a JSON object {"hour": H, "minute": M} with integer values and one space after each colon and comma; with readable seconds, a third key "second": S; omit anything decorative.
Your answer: {"hour": 7, "minute": 24}
